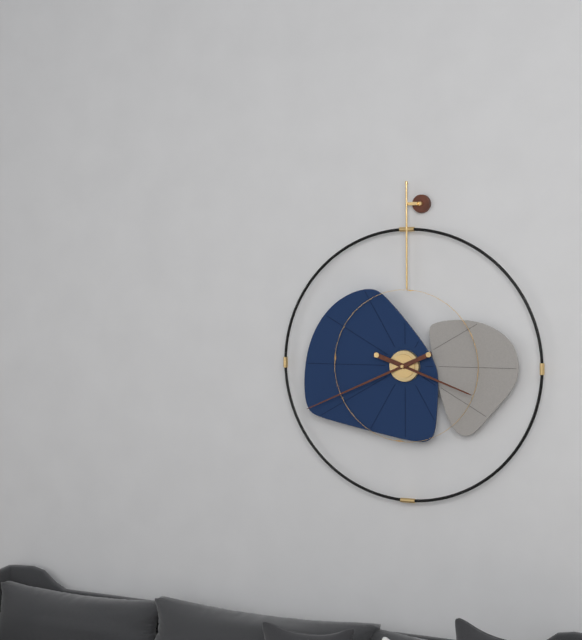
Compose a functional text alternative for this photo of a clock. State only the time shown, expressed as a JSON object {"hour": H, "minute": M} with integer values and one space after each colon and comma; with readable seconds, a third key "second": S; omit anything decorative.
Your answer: {"hour": 3, "minute": 41}
